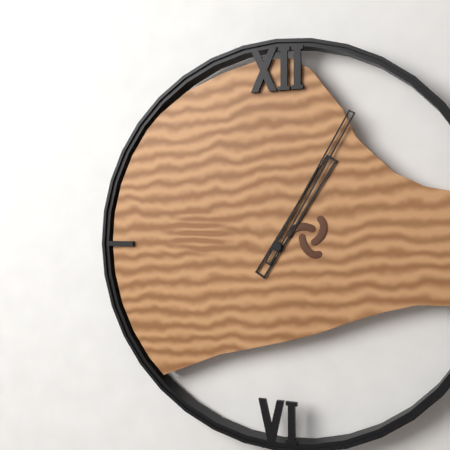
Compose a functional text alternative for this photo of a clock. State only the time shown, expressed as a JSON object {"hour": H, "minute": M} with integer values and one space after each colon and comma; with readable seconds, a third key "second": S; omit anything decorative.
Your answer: {"hour": 1, "minute": 5}
